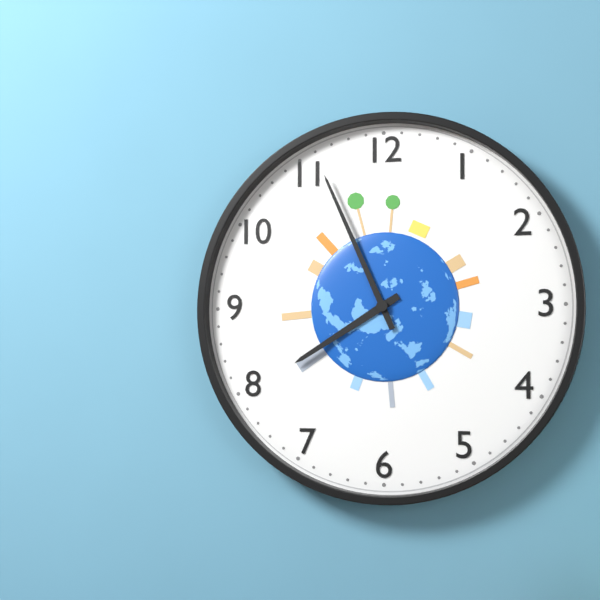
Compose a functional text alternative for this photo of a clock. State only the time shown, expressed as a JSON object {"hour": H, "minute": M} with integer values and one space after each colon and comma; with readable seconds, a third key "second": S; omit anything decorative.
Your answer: {"hour": 7, "minute": 56}
